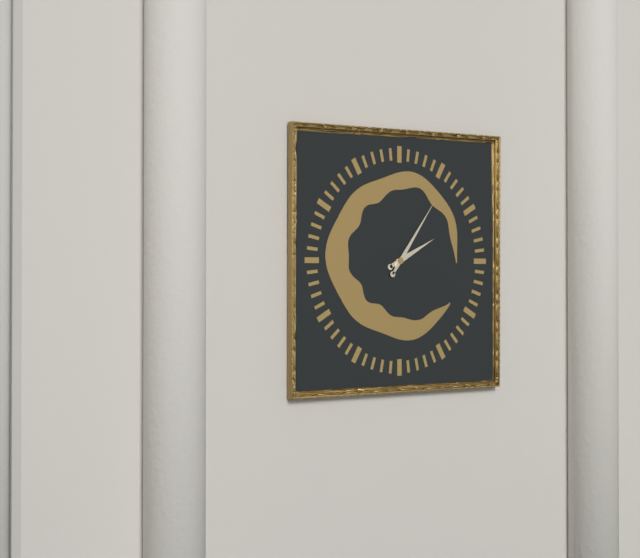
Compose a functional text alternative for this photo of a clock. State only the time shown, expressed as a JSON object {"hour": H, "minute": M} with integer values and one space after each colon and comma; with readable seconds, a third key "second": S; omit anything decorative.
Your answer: {"hour": 2, "minute": 6}
